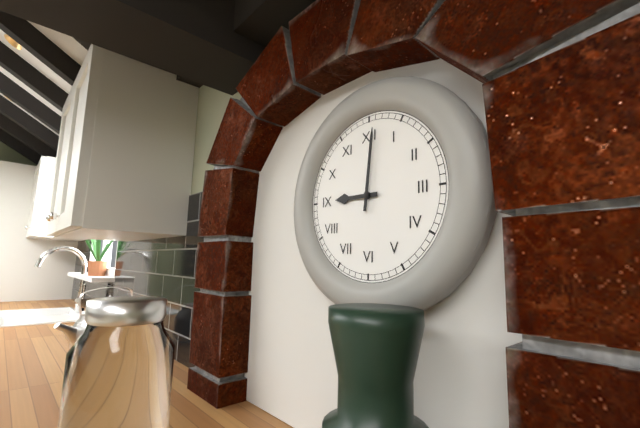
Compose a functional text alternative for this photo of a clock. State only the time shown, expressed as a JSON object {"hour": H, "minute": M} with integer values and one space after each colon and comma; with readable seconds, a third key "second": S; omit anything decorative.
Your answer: {"hour": 9, "minute": 1}
